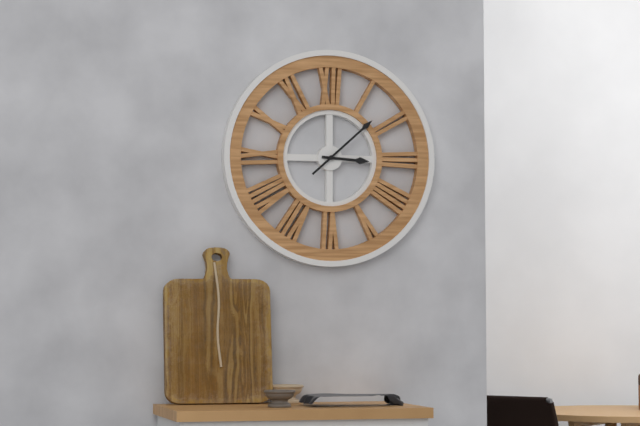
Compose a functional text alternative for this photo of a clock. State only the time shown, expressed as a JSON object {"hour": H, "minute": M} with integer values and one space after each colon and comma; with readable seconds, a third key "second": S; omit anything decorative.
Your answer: {"hour": 3, "minute": 8}
